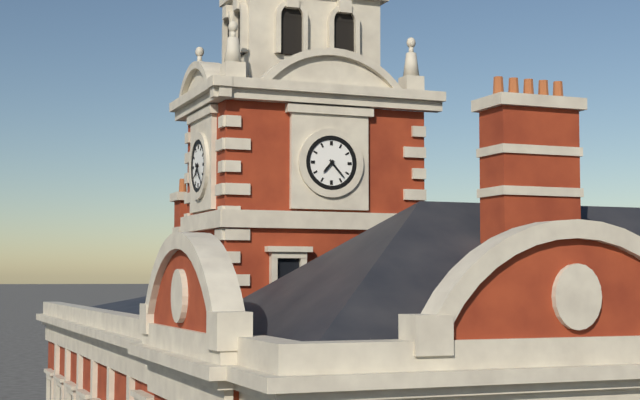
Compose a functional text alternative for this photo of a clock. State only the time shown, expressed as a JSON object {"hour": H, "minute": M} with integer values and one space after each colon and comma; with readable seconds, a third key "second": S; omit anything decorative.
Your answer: {"hour": 7, "minute": 23}
